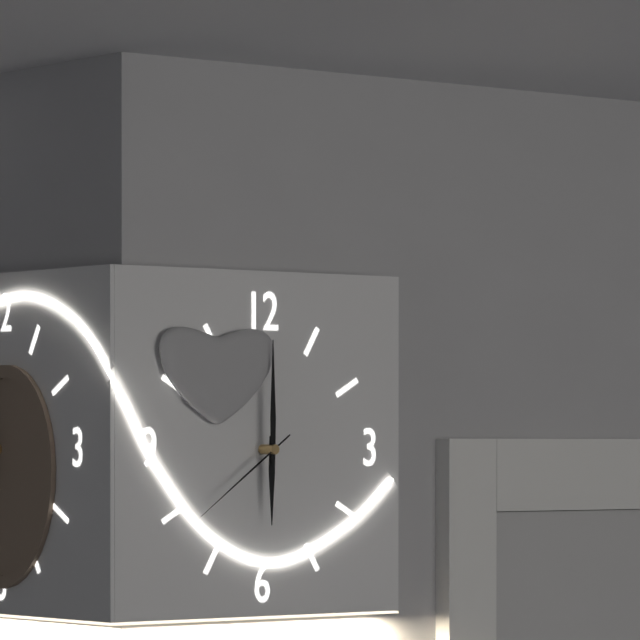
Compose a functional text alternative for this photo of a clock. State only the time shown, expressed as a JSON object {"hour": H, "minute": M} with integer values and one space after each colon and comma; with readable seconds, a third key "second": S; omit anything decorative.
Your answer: {"hour": 6, "minute": 0, "second": 39}
